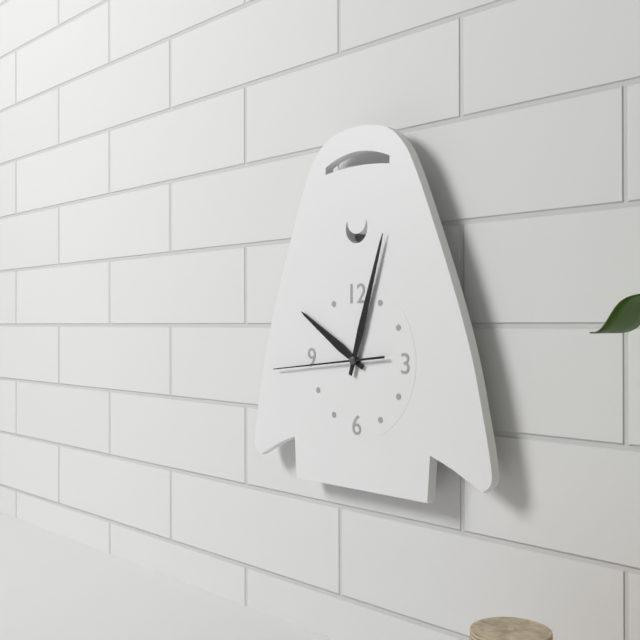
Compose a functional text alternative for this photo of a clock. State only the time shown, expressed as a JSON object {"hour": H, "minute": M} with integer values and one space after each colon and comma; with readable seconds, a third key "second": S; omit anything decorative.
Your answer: {"hour": 10, "minute": 3, "second": 44}
